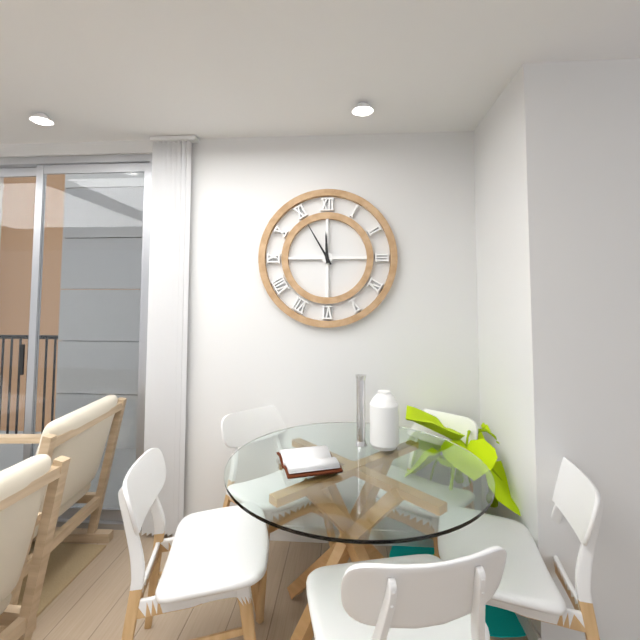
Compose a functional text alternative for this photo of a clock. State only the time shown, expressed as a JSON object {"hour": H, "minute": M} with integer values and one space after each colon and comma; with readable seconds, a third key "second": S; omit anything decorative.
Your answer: {"hour": 11, "minute": 55}
